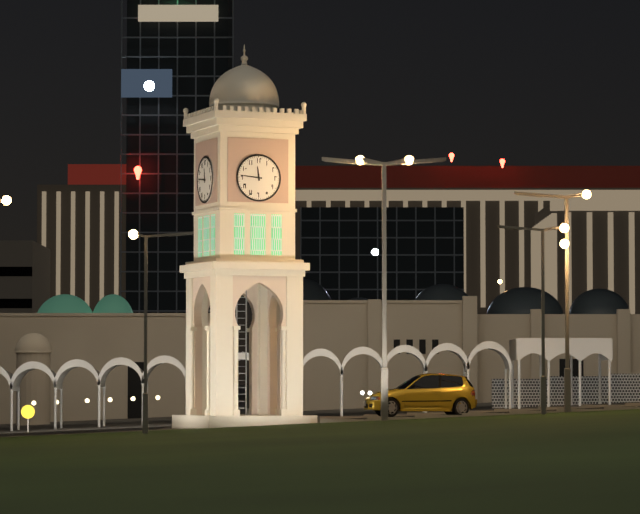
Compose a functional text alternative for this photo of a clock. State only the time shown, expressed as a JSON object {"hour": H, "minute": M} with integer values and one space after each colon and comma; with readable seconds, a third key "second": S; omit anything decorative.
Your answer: {"hour": 11, "minute": 46}
